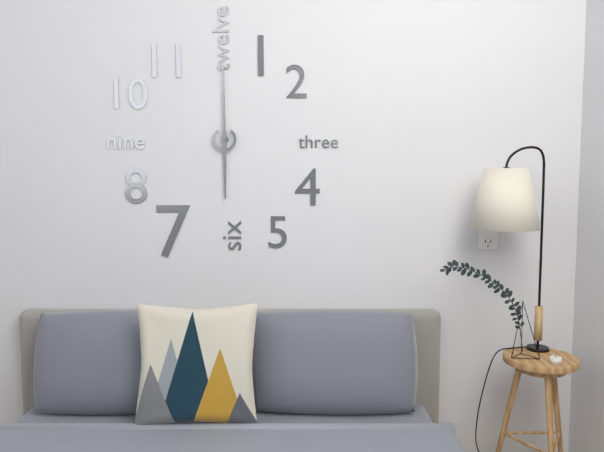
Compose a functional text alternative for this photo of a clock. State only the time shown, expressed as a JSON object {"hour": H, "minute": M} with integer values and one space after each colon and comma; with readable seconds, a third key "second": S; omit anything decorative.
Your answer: {"hour": 6, "minute": 0}
